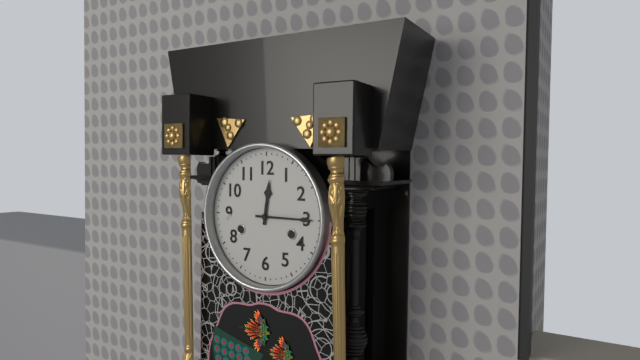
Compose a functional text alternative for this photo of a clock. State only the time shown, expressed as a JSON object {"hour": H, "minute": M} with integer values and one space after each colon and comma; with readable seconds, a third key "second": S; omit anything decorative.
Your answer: {"hour": 12, "minute": 15}
